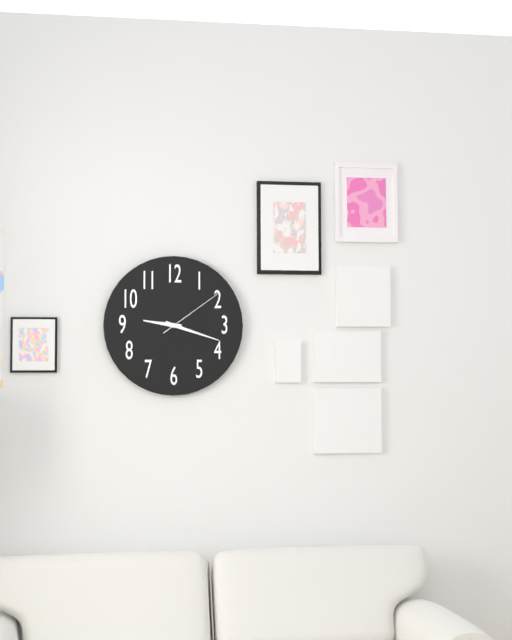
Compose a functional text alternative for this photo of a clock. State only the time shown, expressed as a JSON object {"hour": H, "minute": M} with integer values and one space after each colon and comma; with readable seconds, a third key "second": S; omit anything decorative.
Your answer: {"hour": 9, "minute": 18, "second": 9}
